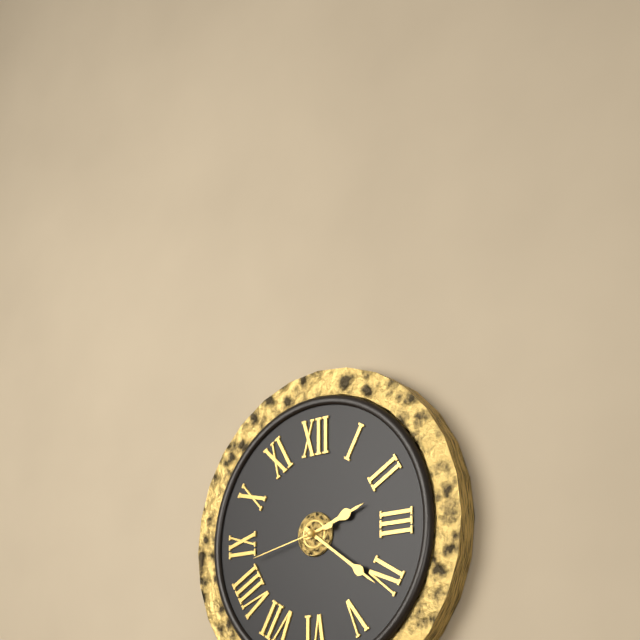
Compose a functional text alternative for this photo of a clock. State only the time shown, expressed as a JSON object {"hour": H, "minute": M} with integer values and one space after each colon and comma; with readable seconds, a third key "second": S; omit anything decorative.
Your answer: {"hour": 2, "minute": 21, "second": 43}
